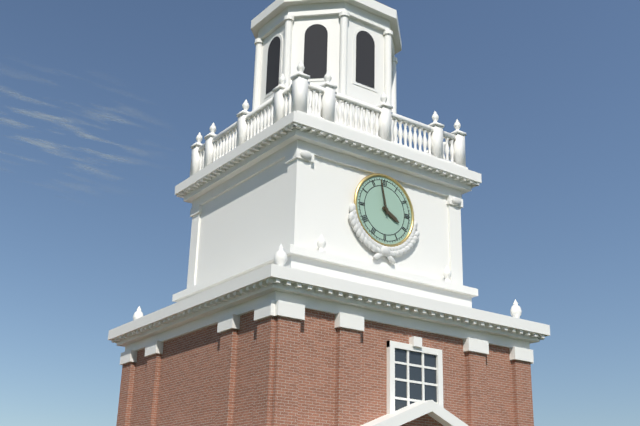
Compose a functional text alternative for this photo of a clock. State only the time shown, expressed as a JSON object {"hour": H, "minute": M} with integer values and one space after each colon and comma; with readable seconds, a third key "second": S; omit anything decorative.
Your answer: {"hour": 3, "minute": 58}
